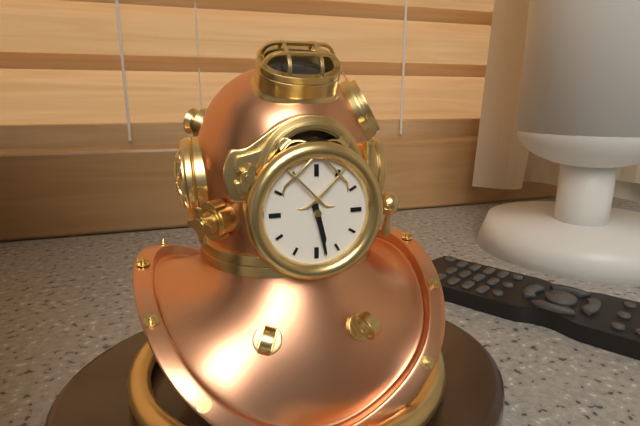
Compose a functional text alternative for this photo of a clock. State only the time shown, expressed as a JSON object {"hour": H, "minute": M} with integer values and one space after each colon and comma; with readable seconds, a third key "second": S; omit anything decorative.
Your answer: {"hour": 5, "minute": 28}
